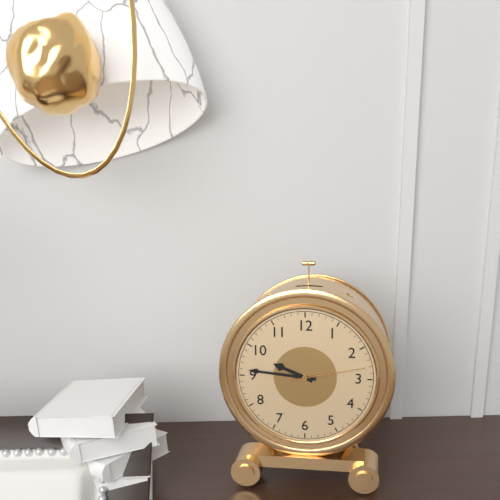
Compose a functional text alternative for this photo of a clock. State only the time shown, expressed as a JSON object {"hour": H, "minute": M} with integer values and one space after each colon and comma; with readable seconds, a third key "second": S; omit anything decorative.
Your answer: {"hour": 9, "minute": 46, "second": 13}
